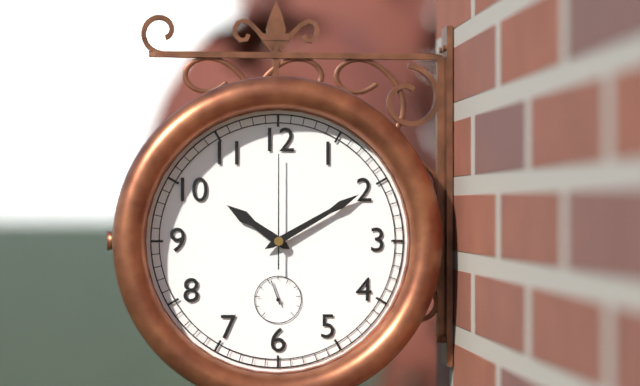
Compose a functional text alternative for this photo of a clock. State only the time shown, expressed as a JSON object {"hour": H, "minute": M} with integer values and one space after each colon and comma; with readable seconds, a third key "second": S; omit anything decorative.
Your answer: {"hour": 10, "minute": 10, "second": 0}
